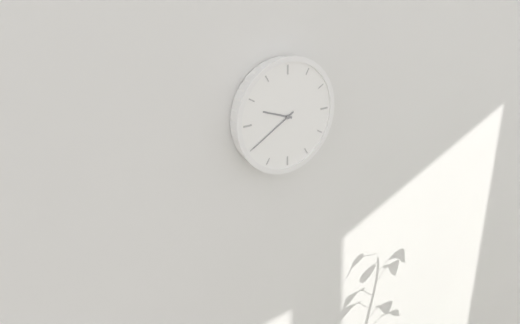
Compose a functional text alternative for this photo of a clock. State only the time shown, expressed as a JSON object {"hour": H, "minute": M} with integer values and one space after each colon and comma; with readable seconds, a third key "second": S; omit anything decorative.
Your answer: {"hour": 9, "minute": 40}
